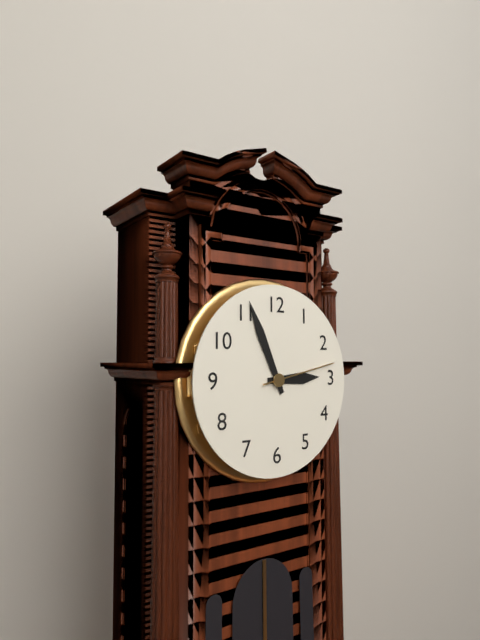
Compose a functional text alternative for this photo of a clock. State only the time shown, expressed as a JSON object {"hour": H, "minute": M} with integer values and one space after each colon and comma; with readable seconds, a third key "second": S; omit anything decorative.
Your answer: {"hour": 2, "minute": 56, "second": 13}
